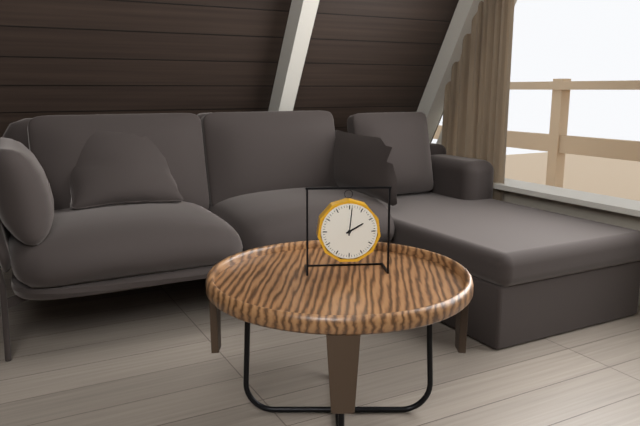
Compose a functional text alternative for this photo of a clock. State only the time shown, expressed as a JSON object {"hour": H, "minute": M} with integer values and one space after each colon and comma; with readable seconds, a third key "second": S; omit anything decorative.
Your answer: {"hour": 2, "minute": 1}
